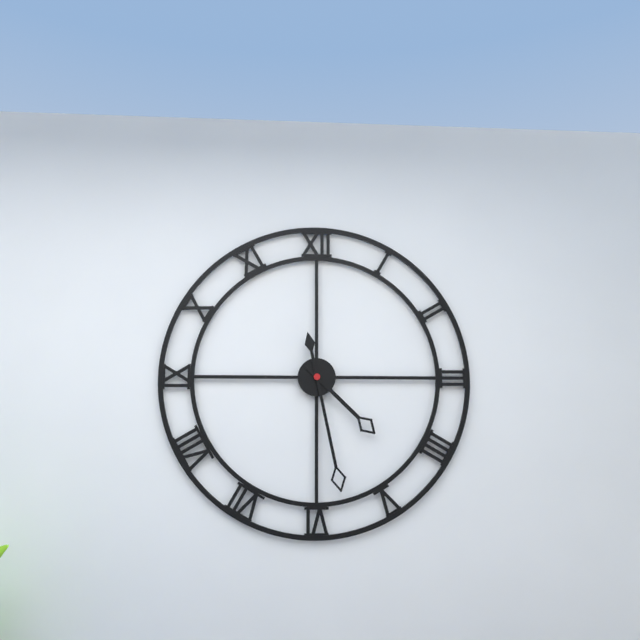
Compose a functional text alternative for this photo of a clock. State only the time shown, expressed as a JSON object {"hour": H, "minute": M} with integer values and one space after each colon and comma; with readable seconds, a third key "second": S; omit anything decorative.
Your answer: {"hour": 4, "minute": 28}
